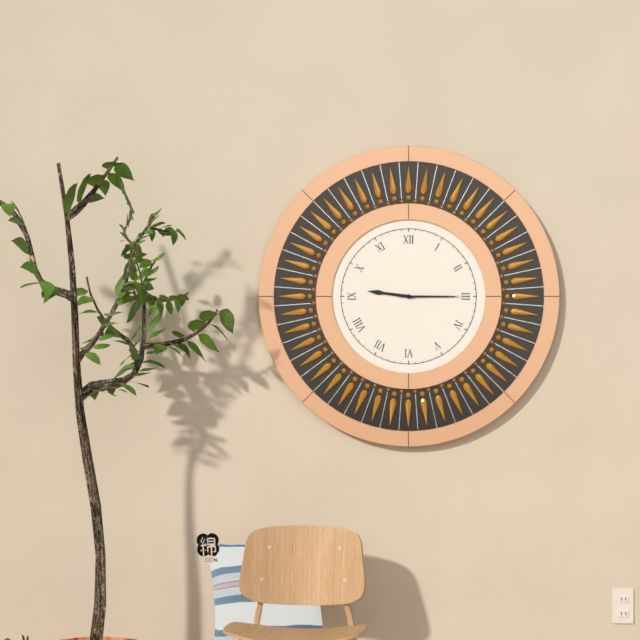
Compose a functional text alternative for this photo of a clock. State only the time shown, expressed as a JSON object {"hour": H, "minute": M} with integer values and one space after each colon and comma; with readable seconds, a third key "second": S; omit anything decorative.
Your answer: {"hour": 9, "minute": 15}
